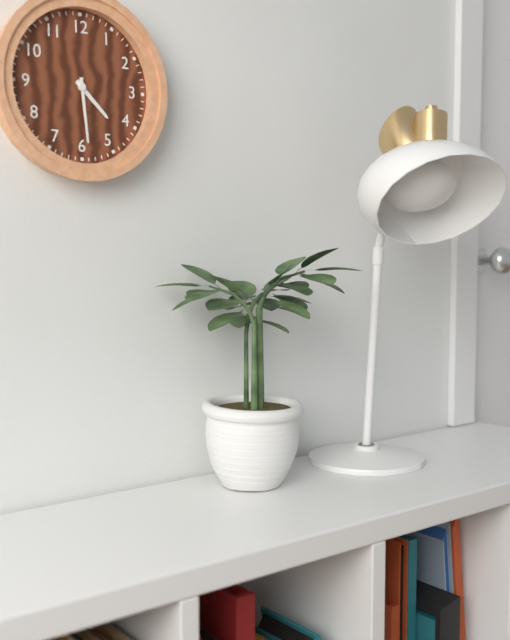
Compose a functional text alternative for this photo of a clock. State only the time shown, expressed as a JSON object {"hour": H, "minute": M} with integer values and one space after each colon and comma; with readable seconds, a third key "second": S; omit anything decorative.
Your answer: {"hour": 4, "minute": 29}
